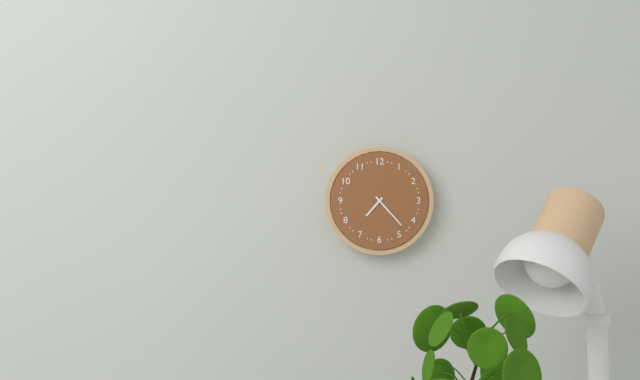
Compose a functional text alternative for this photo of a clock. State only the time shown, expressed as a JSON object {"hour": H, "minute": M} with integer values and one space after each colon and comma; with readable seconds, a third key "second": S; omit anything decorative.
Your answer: {"hour": 7, "minute": 23}
